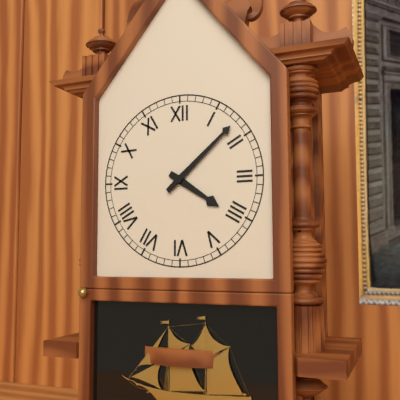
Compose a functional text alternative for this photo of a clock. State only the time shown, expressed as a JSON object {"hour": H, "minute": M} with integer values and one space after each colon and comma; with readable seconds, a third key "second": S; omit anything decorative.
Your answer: {"hour": 4, "minute": 8}
